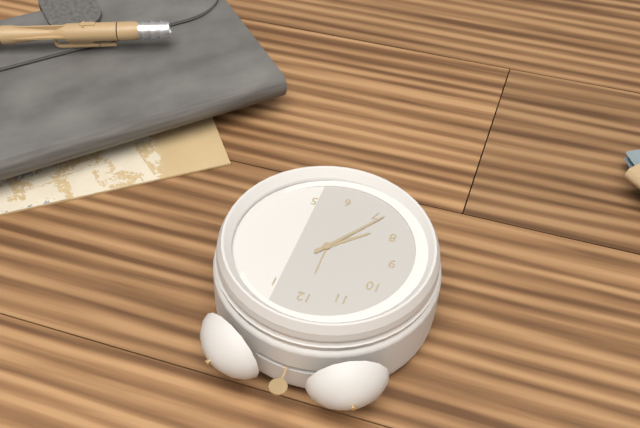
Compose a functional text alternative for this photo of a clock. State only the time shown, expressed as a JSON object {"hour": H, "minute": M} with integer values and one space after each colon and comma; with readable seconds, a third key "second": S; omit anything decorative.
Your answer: {"hour": 7, "minute": 36}
